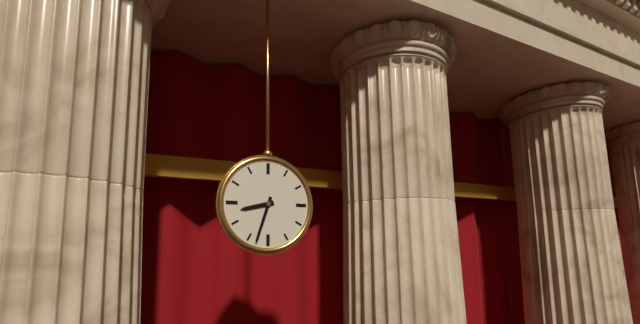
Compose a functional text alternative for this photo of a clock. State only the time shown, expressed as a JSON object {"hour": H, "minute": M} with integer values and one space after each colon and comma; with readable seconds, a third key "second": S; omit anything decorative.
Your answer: {"hour": 8, "minute": 33}
